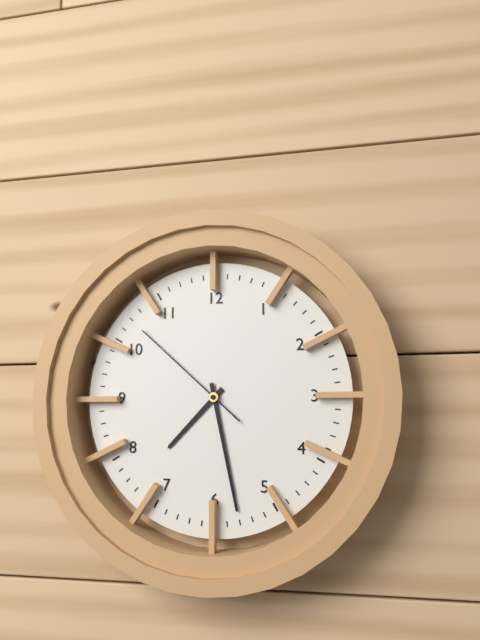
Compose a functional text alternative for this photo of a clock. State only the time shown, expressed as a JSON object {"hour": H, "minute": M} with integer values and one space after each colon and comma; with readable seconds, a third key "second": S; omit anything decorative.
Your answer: {"hour": 7, "minute": 28, "second": 52}
